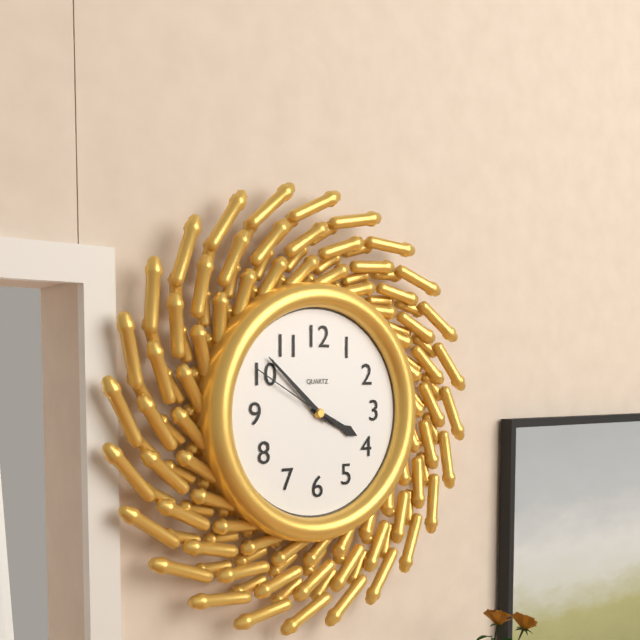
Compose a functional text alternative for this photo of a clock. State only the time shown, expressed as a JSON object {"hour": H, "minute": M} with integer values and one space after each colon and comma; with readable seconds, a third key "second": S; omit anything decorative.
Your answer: {"hour": 3, "minute": 52, "second": 50}
